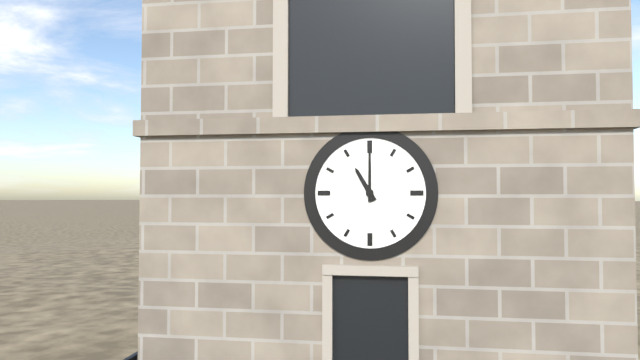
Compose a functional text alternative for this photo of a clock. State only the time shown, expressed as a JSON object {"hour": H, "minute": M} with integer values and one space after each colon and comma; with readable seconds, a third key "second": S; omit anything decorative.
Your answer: {"hour": 11, "minute": 0}
